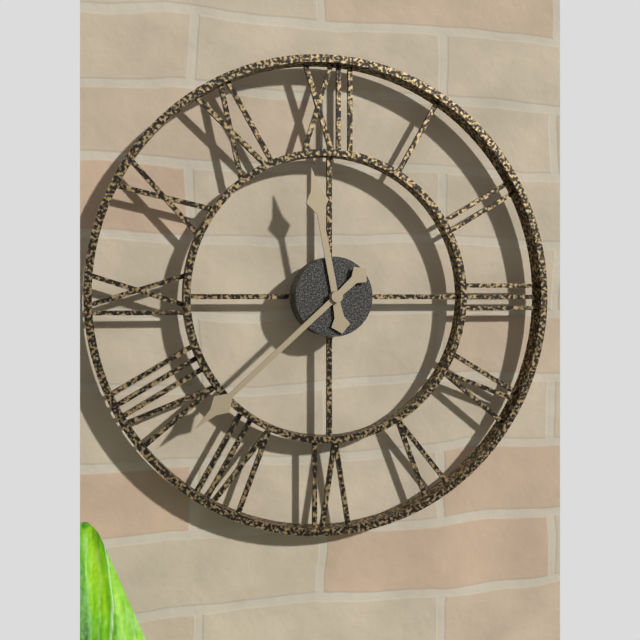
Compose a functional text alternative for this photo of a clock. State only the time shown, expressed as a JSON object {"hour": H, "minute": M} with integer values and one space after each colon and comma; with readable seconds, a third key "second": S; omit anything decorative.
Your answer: {"hour": 11, "minute": 38}
